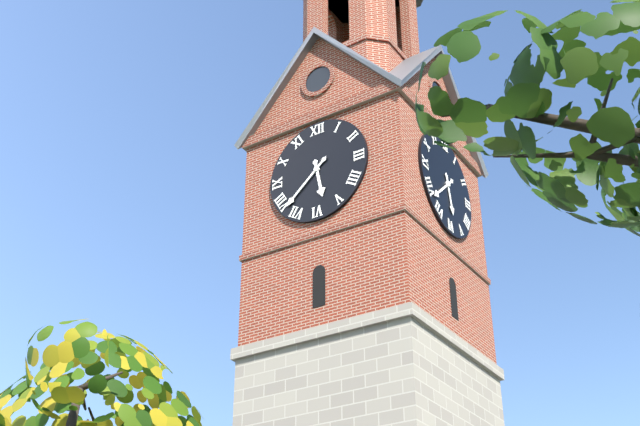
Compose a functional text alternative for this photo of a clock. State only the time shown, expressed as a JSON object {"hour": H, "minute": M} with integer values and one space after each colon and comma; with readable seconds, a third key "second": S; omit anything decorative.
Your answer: {"hour": 5, "minute": 38}
